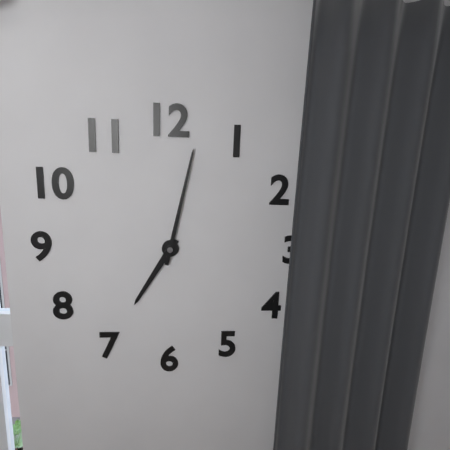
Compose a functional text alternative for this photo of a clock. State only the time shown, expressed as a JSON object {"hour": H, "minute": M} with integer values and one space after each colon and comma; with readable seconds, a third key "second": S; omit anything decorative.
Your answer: {"hour": 7, "minute": 2}
